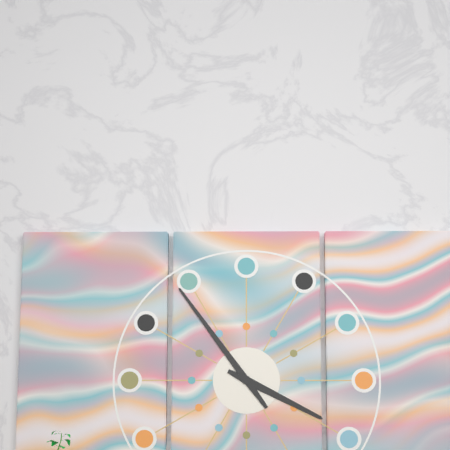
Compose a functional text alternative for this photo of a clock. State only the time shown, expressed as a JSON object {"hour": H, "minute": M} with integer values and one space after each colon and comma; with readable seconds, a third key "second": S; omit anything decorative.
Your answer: {"hour": 3, "minute": 54}
